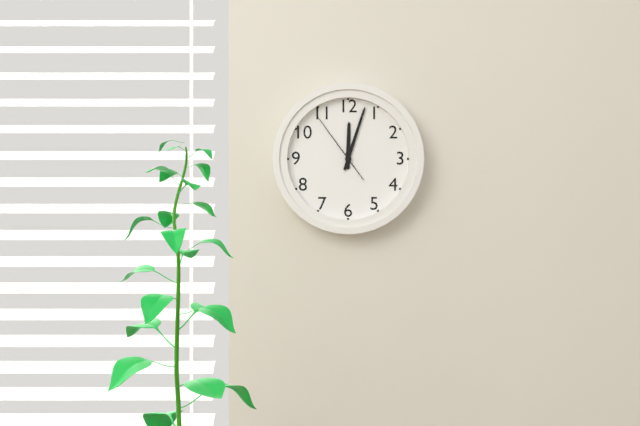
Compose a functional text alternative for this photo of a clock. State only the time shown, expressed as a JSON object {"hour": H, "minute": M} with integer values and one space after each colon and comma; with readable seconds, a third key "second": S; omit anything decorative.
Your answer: {"hour": 12, "minute": 3, "second": 54}
